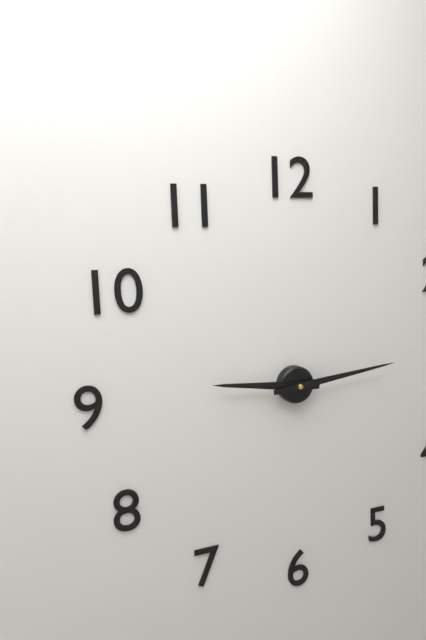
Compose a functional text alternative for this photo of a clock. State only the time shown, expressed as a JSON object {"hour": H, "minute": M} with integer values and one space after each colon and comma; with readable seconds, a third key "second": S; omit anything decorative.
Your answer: {"hour": 9, "minute": 14}
